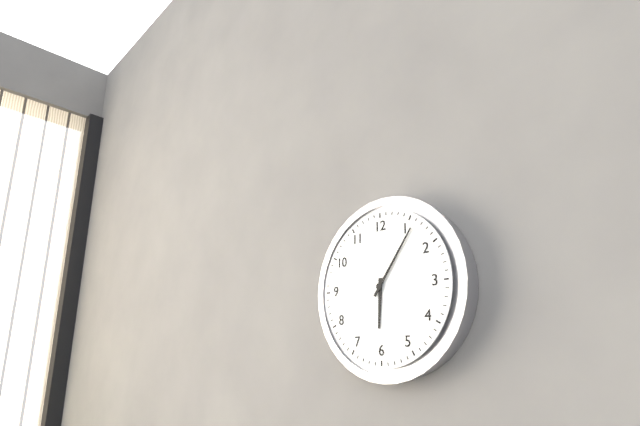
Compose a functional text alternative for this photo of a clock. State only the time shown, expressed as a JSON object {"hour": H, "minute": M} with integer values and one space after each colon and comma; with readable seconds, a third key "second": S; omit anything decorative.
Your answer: {"hour": 6, "minute": 6}
